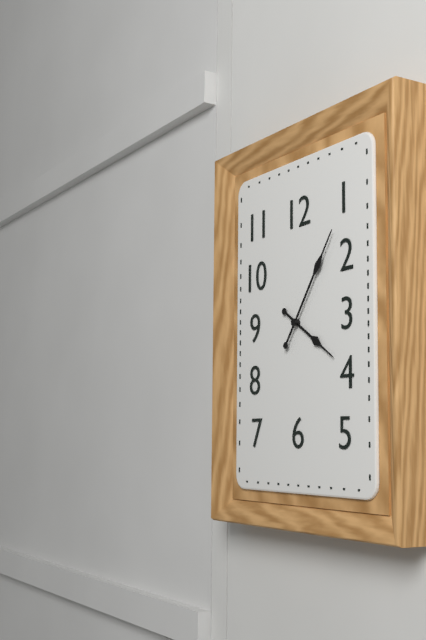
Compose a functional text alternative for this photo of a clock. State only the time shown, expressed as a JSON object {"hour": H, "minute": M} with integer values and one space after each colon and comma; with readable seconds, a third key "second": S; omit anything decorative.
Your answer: {"hour": 4, "minute": 6}
